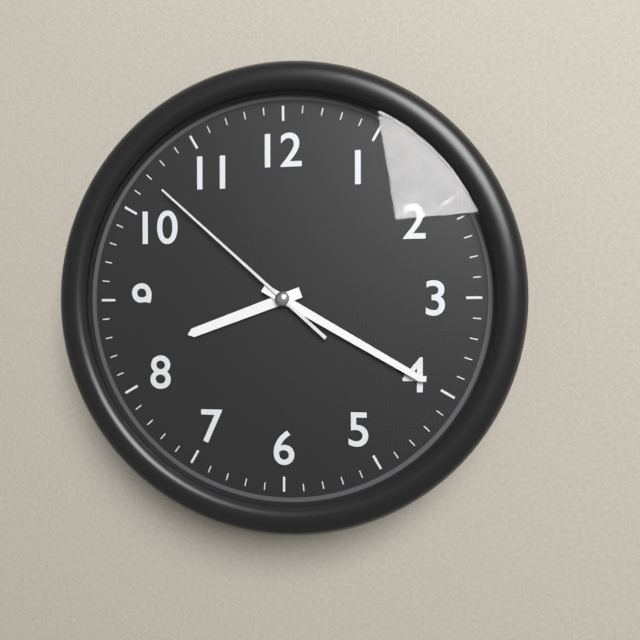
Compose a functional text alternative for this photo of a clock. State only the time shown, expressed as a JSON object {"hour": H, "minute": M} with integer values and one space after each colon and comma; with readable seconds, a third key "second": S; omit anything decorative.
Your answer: {"hour": 8, "minute": 20, "second": 52}
